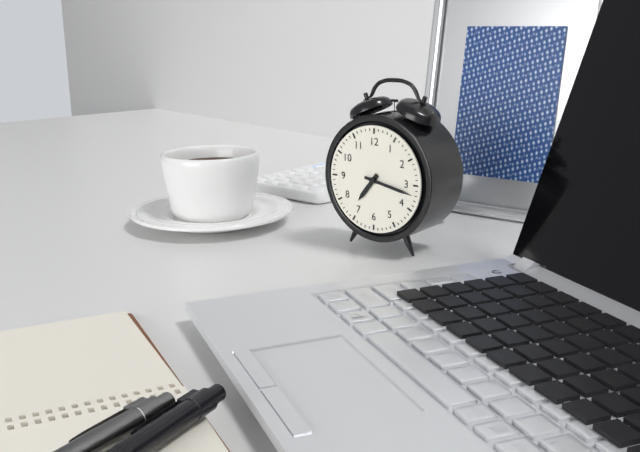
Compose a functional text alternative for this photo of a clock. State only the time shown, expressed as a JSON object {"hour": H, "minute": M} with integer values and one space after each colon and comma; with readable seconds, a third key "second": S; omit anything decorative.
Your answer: {"hour": 7, "minute": 17}
